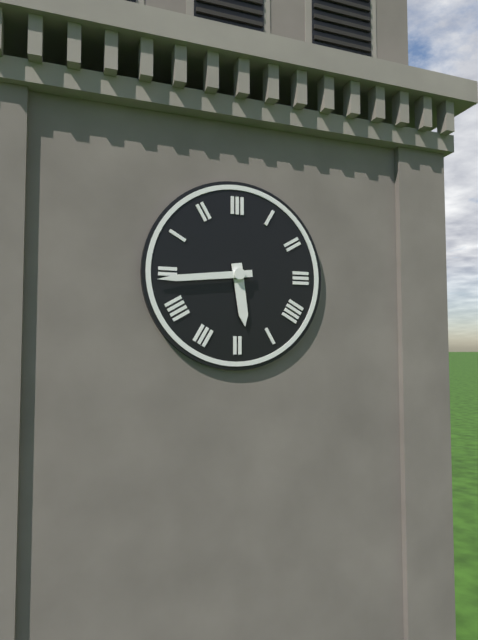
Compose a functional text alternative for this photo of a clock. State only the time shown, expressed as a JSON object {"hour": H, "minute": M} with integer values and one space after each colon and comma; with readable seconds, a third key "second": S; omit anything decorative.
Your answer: {"hour": 5, "minute": 44}
